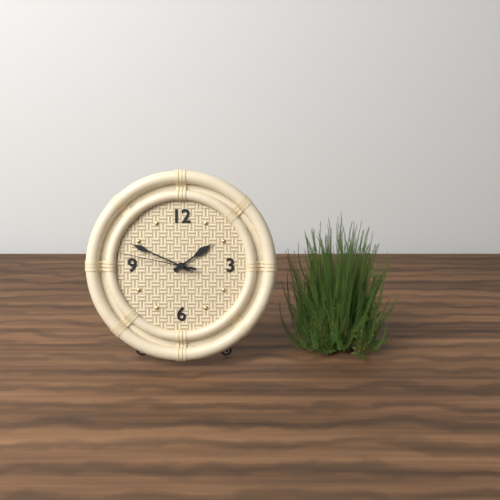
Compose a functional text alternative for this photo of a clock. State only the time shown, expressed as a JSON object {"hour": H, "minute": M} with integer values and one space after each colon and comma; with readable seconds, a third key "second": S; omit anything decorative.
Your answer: {"hour": 1, "minute": 49, "second": 47}
